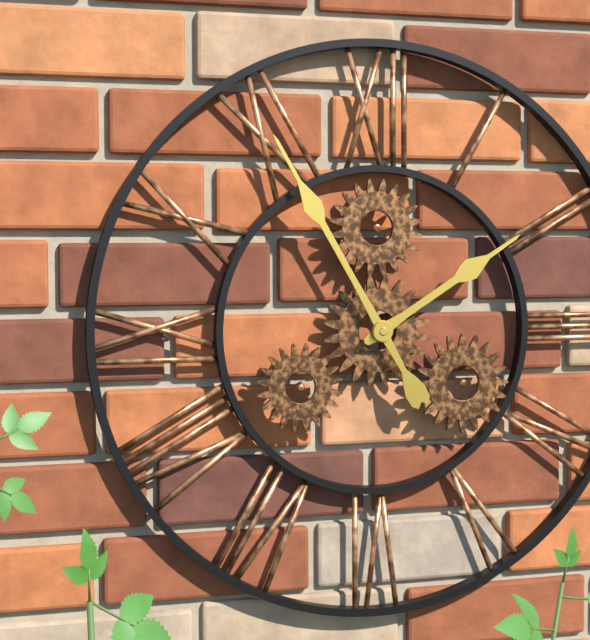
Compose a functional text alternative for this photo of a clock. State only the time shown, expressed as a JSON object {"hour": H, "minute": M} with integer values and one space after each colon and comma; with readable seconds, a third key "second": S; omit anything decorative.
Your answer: {"hour": 1, "minute": 55}
